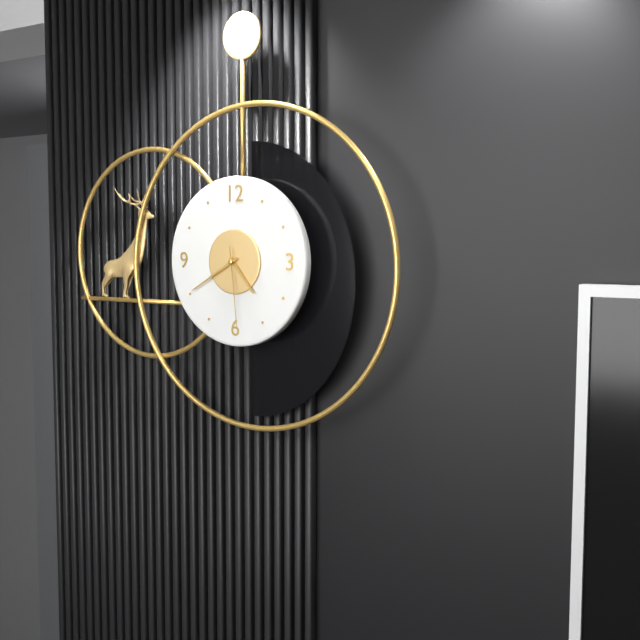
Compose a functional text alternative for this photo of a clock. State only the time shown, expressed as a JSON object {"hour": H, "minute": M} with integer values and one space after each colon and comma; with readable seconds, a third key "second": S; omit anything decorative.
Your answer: {"hour": 4, "minute": 40, "second": 29}
